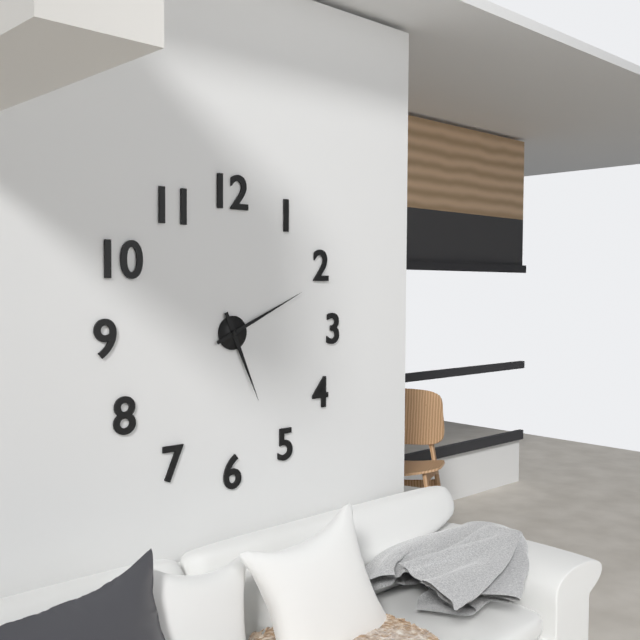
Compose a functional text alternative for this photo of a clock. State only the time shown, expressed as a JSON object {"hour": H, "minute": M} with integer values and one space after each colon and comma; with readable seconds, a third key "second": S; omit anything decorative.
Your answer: {"hour": 5, "minute": 11}
